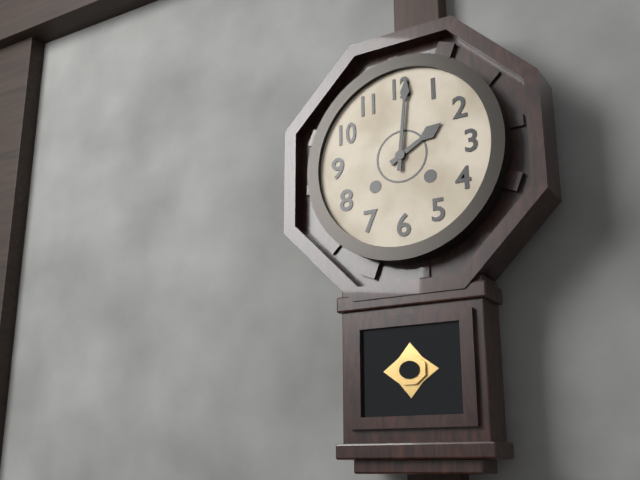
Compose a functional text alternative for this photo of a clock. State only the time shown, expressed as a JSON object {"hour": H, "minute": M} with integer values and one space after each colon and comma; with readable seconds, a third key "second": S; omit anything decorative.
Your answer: {"hour": 2, "minute": 1}
